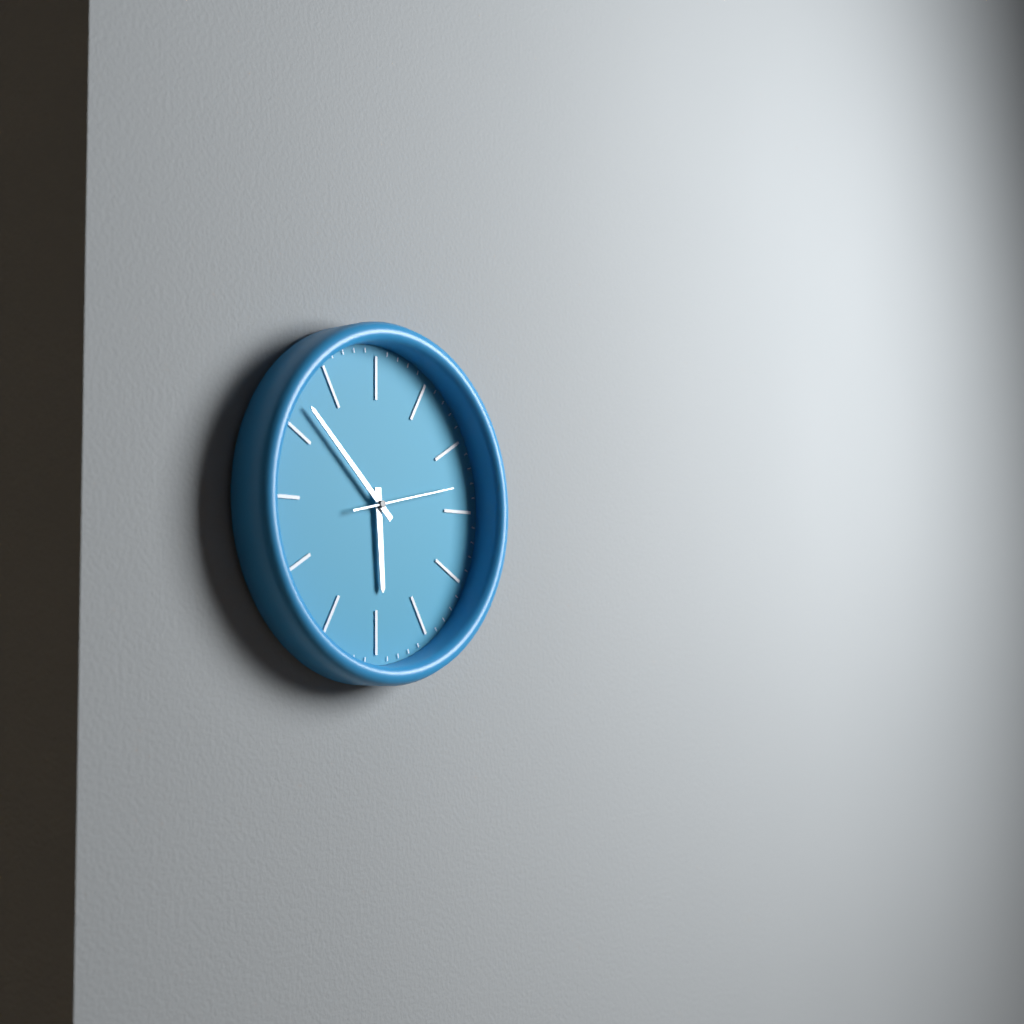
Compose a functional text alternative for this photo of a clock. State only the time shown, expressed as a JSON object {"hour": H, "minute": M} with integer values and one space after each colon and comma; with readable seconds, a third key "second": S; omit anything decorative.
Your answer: {"hour": 5, "minute": 52, "second": 13}
